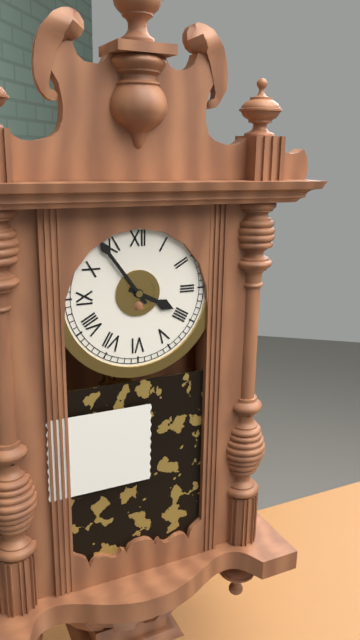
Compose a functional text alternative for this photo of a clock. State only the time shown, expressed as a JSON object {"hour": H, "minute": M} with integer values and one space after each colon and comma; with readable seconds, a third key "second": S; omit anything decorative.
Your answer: {"hour": 3, "minute": 54}
